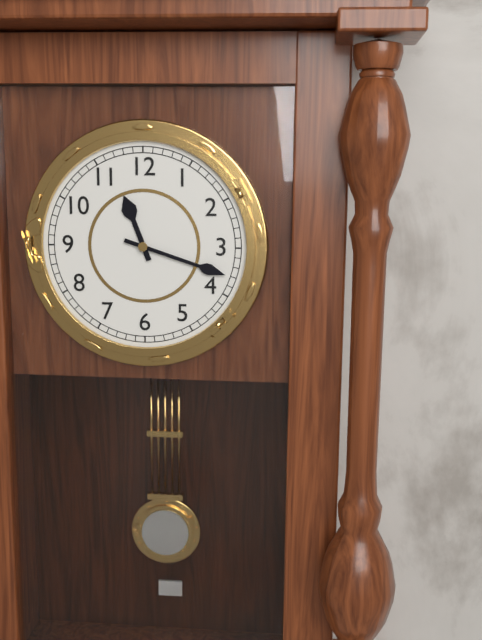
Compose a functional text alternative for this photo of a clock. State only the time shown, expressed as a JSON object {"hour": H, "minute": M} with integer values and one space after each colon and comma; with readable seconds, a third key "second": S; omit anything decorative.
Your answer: {"hour": 11, "minute": 18}
